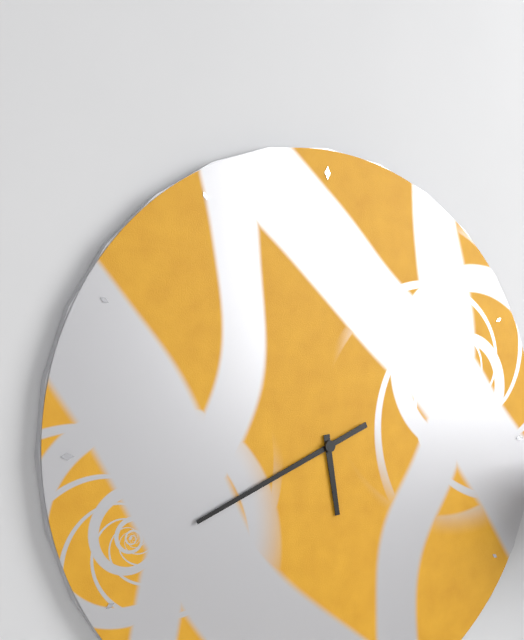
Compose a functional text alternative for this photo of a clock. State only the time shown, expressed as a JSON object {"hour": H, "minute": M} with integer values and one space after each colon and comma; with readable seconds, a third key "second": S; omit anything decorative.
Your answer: {"hour": 5, "minute": 41}
